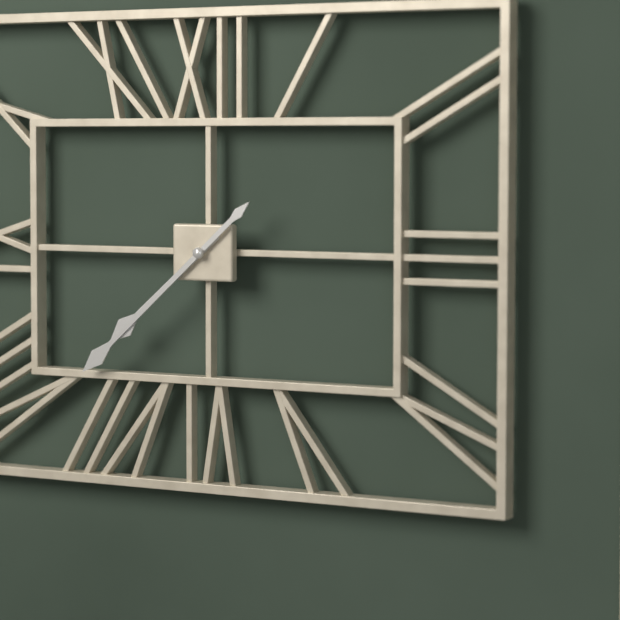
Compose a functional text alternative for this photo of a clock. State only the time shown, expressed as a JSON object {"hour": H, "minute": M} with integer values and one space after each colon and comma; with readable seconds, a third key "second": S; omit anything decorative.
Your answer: {"hour": 7, "minute": 38}
